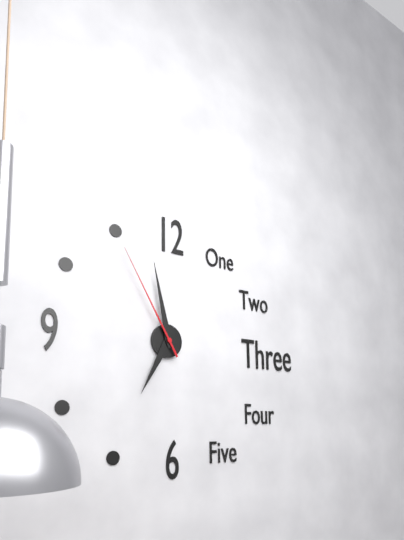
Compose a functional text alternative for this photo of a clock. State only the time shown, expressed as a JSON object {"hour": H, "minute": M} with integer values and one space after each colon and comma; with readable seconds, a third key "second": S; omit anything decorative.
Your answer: {"hour": 6, "minute": 58, "second": 55}
